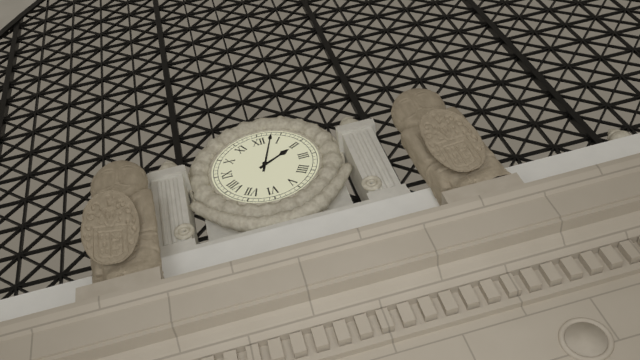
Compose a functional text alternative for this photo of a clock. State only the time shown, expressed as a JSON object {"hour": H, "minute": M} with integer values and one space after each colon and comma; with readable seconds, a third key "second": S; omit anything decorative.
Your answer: {"hour": 2, "minute": 3}
